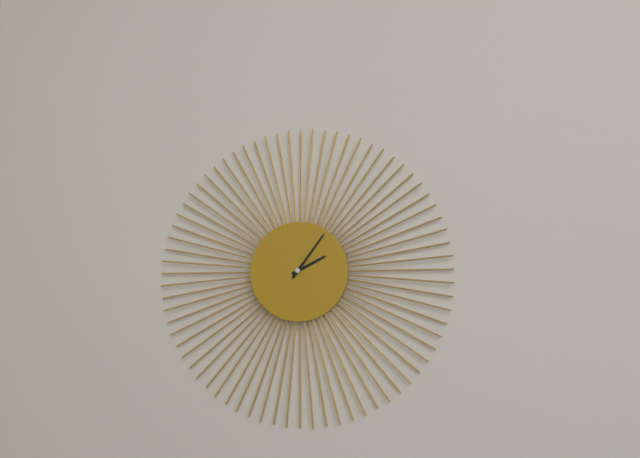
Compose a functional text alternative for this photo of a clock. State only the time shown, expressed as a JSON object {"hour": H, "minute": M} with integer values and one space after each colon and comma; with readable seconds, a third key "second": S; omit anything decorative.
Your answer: {"hour": 2, "minute": 6}
